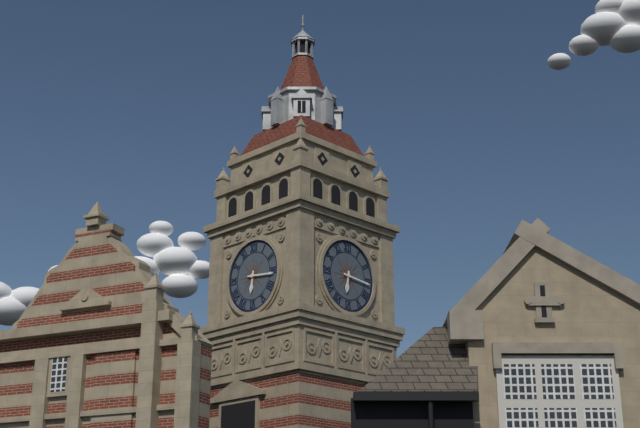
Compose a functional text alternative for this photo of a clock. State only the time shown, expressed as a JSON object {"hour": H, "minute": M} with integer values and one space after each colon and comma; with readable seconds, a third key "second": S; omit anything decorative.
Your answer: {"hour": 6, "minute": 16}
